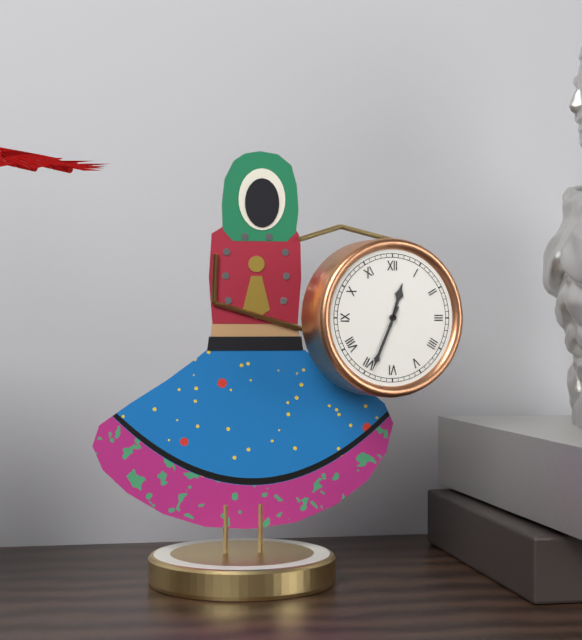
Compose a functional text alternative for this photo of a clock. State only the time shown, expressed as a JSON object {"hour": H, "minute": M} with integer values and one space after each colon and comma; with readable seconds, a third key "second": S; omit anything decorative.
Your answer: {"hour": 12, "minute": 34}
